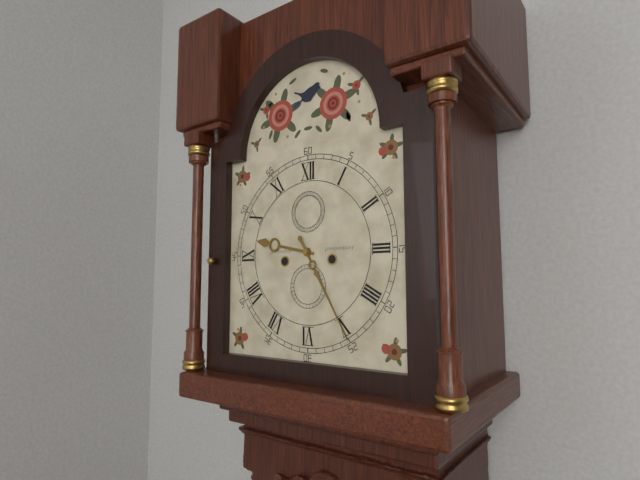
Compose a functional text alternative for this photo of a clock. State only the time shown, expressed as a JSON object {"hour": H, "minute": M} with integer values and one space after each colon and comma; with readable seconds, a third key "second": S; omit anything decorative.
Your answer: {"hour": 9, "minute": 25}
